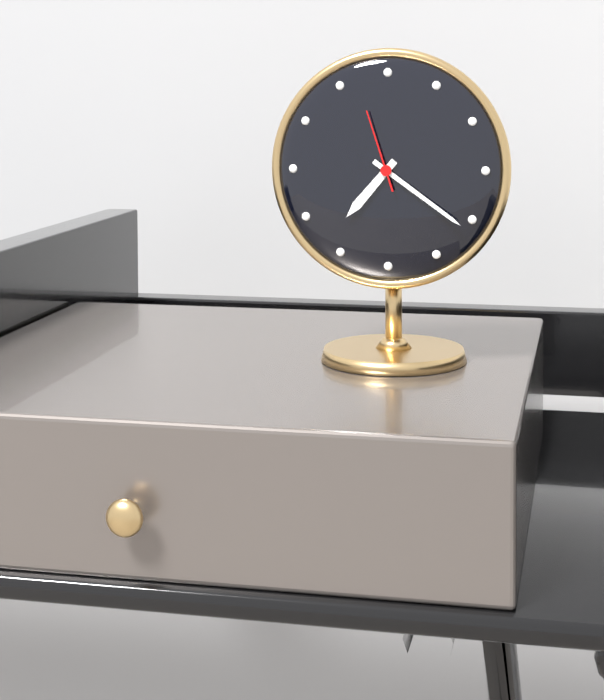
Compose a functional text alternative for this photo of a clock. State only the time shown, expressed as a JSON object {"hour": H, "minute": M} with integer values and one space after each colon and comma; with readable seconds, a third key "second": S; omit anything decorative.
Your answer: {"hour": 7, "minute": 21, "second": 57}
